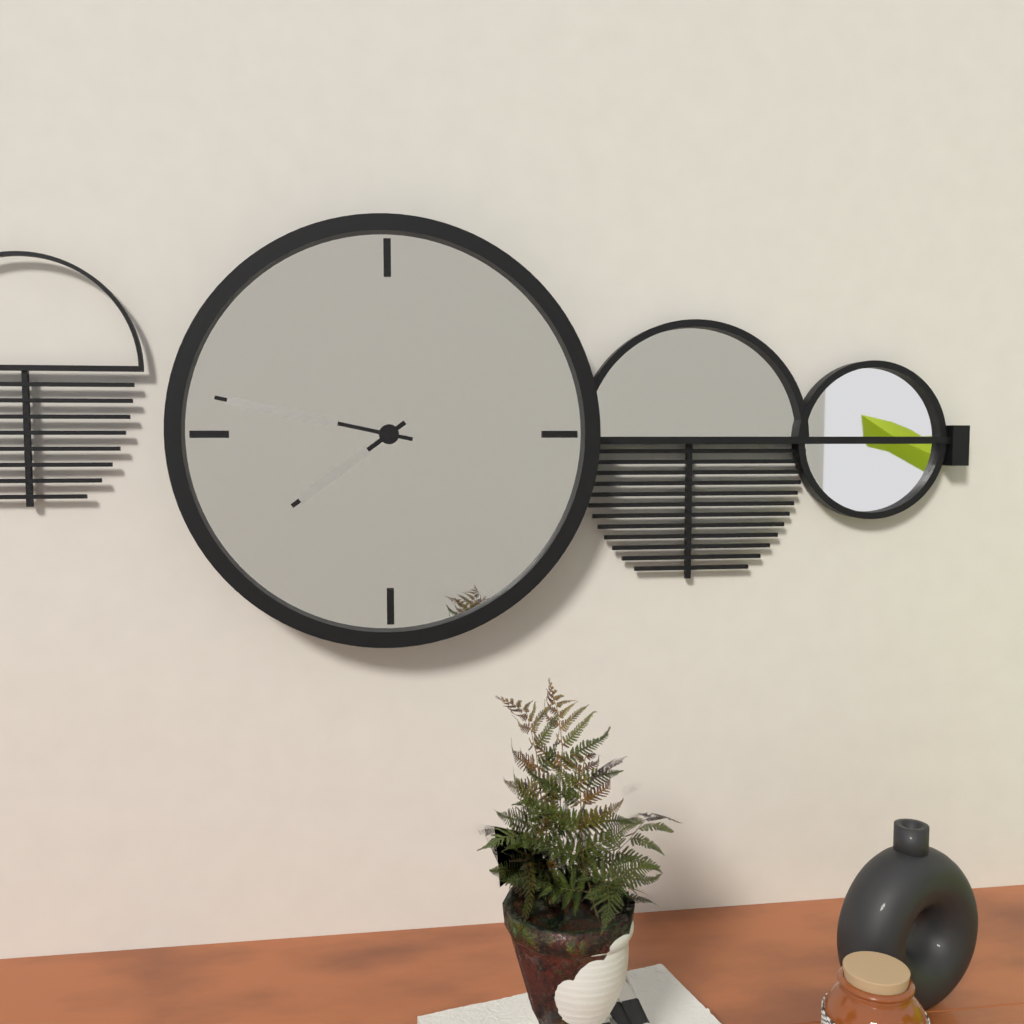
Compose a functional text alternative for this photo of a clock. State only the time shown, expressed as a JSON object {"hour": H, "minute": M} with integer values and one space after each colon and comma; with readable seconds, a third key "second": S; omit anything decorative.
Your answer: {"hour": 7, "minute": 47}
